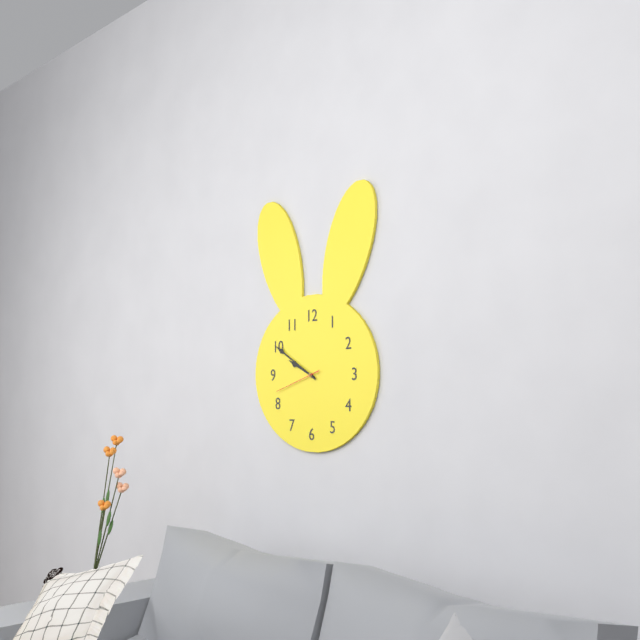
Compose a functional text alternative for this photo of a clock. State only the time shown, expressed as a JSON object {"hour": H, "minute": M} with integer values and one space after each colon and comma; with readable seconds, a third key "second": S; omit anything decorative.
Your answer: {"hour": 9, "minute": 50, "second": 42}
